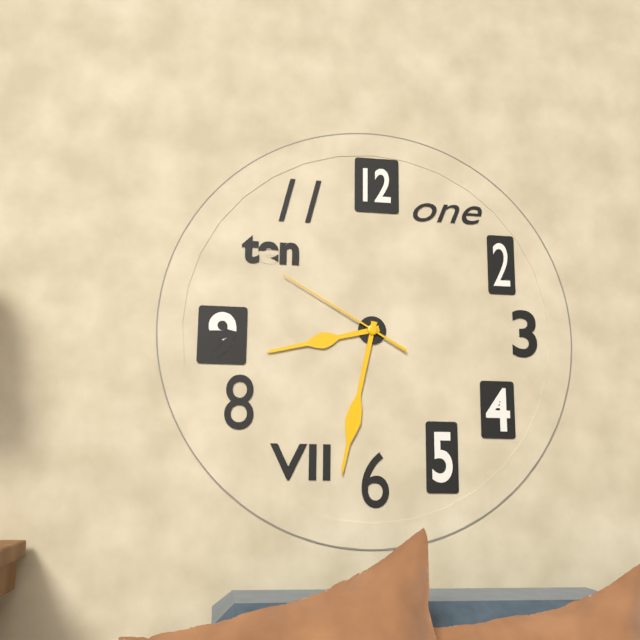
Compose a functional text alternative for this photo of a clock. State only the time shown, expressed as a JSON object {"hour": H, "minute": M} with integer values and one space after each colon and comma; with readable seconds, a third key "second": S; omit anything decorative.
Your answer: {"hour": 8, "minute": 32, "second": 50}
